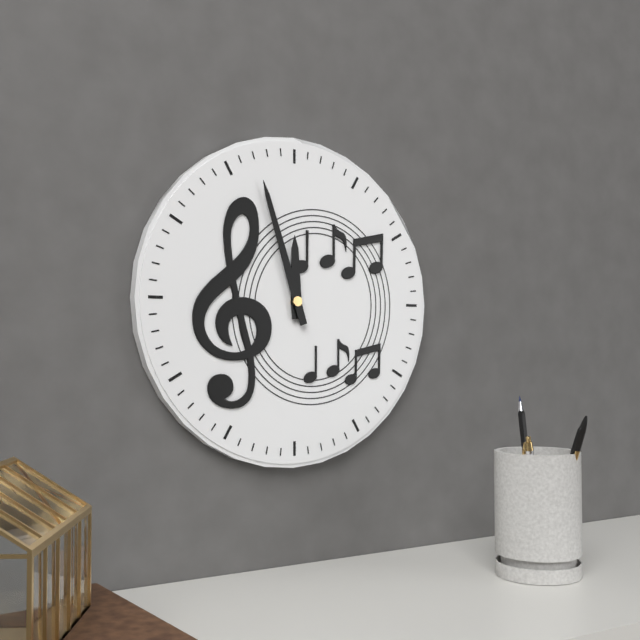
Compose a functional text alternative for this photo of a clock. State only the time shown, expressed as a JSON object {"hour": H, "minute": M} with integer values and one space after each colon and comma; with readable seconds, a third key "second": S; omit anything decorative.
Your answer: {"hour": 11, "minute": 57}
